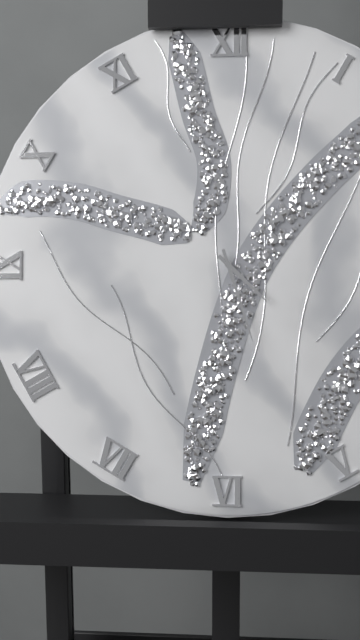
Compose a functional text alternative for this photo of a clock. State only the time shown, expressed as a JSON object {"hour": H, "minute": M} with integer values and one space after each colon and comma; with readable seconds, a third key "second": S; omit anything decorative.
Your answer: {"hour": 4, "minute": 27}
